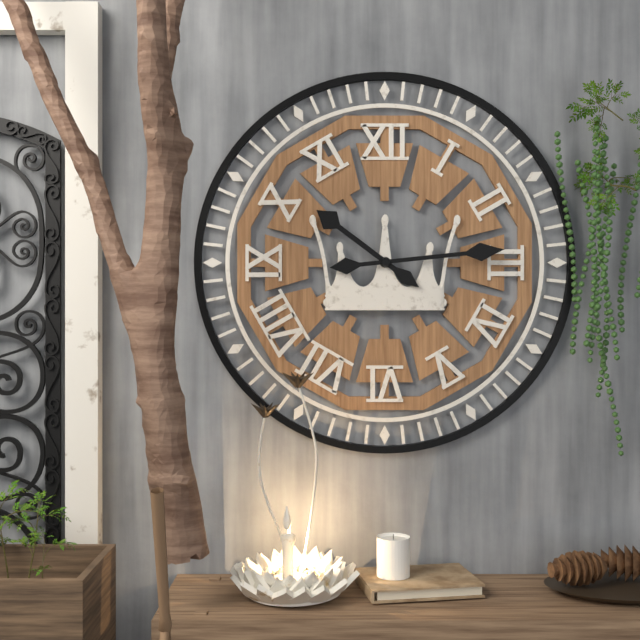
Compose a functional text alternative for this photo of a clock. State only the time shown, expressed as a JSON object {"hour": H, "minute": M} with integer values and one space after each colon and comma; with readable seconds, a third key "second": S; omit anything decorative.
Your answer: {"hour": 10, "minute": 14}
